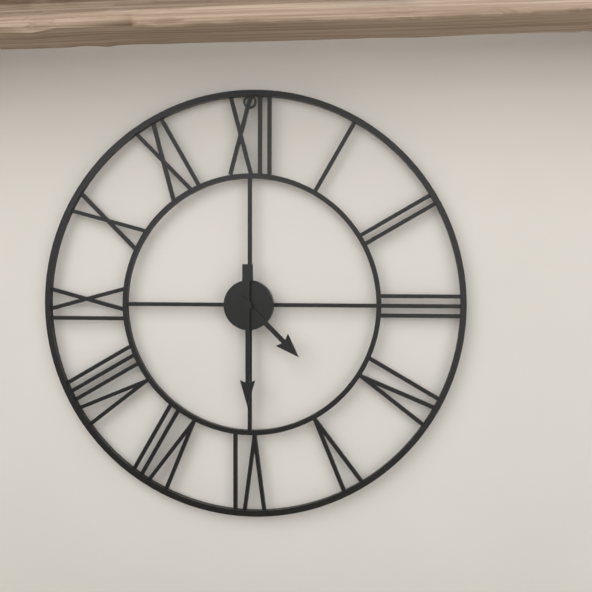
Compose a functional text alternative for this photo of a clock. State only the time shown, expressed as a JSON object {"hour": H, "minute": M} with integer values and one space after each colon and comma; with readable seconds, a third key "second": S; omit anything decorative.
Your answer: {"hour": 4, "minute": 30}
